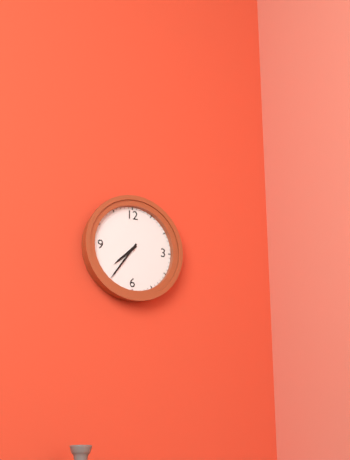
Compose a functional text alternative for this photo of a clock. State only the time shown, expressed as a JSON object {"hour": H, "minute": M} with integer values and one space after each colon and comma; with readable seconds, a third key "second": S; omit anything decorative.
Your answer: {"hour": 7, "minute": 36}
